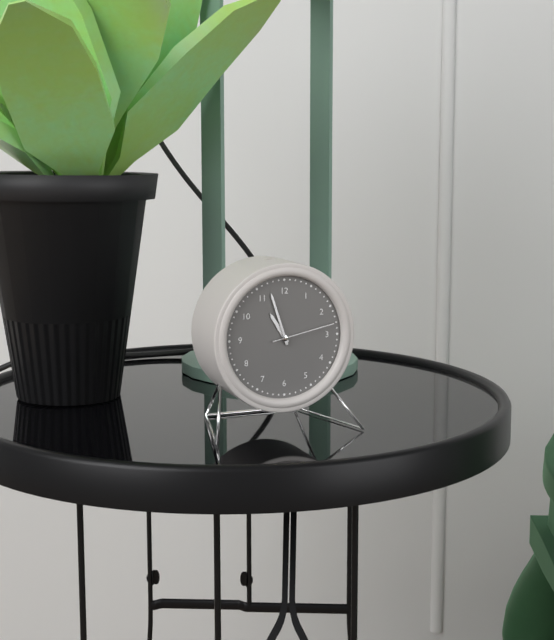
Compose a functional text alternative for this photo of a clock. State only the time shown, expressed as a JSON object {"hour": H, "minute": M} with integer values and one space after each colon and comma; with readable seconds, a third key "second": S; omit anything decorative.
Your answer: {"hour": 10, "minute": 57, "second": 13}
